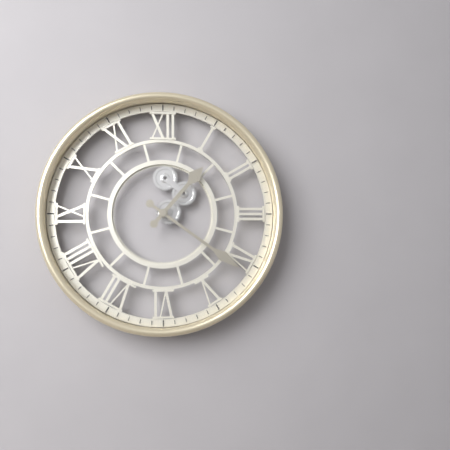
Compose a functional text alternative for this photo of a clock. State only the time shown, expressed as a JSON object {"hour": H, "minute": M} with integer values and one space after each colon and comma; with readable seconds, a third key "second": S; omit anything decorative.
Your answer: {"hour": 1, "minute": 21}
